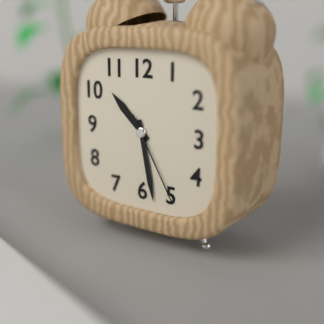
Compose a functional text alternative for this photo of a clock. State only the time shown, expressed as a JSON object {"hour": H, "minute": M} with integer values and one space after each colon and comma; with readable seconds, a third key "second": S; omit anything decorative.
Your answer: {"hour": 10, "minute": 28, "second": 25}
